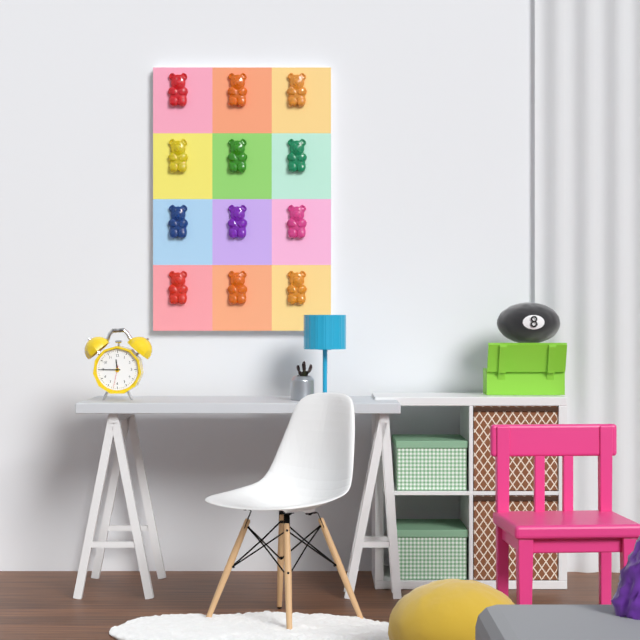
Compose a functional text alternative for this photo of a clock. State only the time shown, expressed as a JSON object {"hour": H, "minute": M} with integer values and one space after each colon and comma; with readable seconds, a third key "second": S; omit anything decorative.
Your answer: {"hour": 11, "minute": 45}
